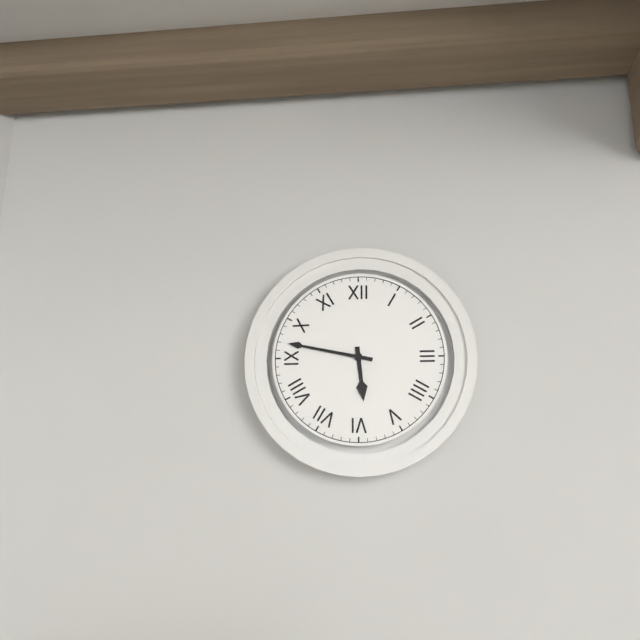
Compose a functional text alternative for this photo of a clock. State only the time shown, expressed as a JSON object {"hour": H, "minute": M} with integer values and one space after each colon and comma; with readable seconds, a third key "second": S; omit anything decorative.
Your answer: {"hour": 5, "minute": 47}
